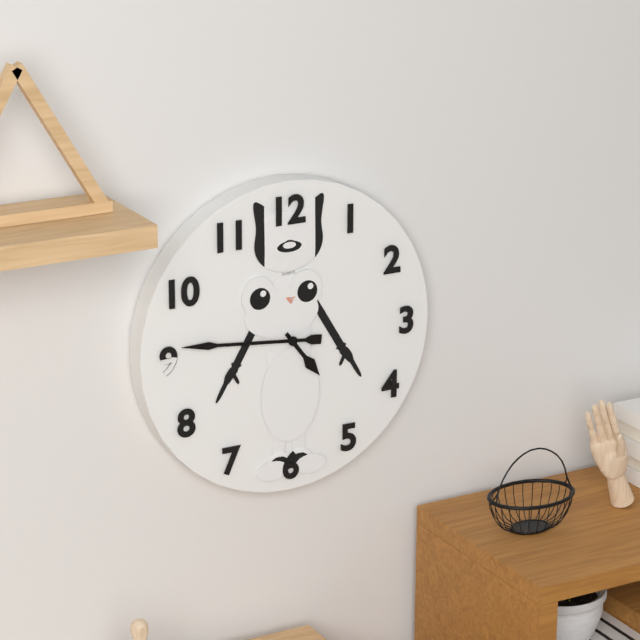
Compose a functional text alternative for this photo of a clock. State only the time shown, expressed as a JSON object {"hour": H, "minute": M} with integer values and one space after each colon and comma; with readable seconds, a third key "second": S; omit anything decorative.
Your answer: {"hour": 4, "minute": 46}
